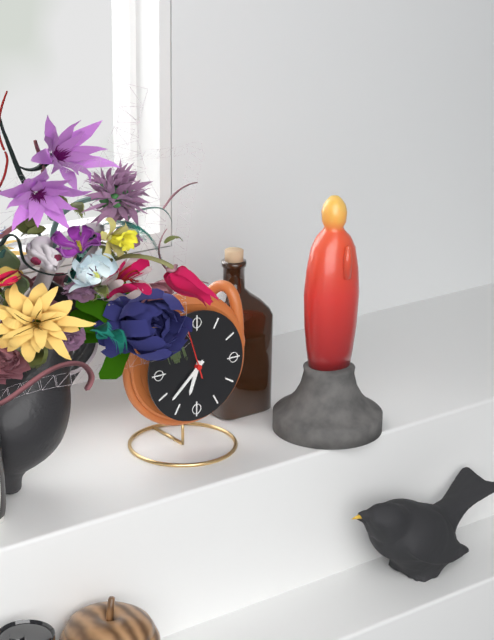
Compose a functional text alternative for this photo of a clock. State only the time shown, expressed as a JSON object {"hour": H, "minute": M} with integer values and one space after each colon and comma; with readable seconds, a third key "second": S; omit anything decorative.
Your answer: {"hour": 6, "minute": 38}
